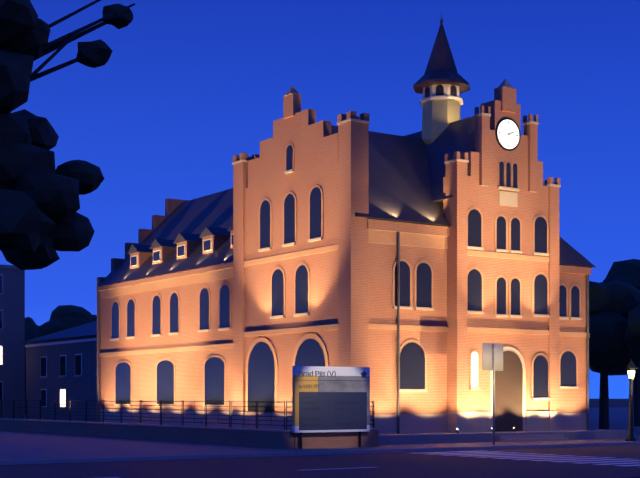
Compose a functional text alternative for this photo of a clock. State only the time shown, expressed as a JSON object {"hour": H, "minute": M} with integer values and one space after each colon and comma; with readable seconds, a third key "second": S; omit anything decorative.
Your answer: {"hour": 2, "minute": 11}
